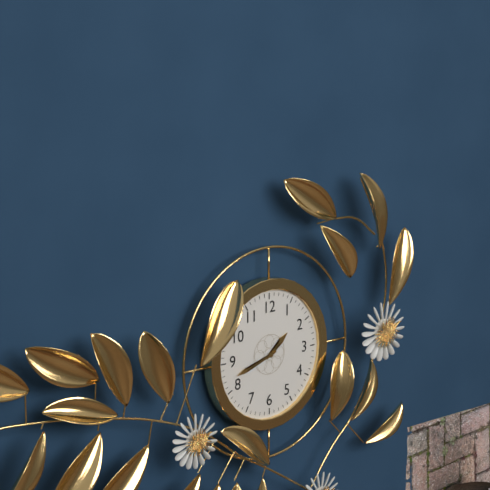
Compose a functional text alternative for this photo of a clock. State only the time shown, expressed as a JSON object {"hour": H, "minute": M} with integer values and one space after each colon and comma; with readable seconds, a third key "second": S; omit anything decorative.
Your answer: {"hour": 1, "minute": 42}
